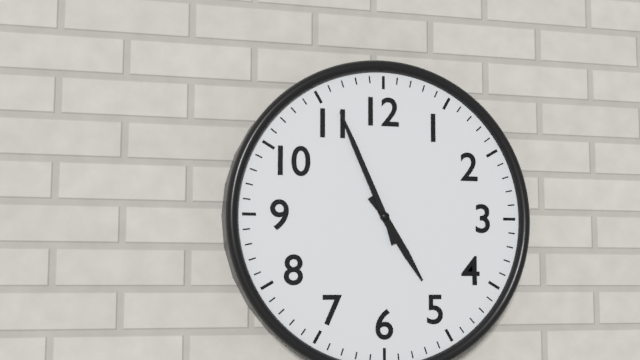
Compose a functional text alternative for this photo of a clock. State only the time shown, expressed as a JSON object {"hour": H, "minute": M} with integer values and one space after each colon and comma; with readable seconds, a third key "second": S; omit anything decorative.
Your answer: {"hour": 4, "minute": 56}
